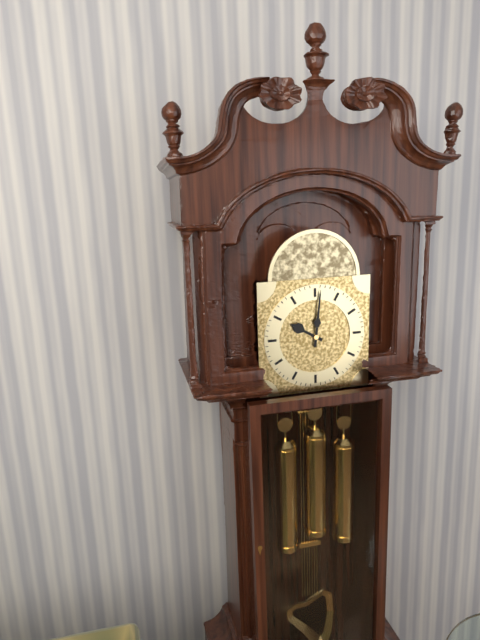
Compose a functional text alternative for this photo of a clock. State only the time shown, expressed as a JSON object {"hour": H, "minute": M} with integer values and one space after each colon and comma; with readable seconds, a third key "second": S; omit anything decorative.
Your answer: {"hour": 10, "minute": 1}
